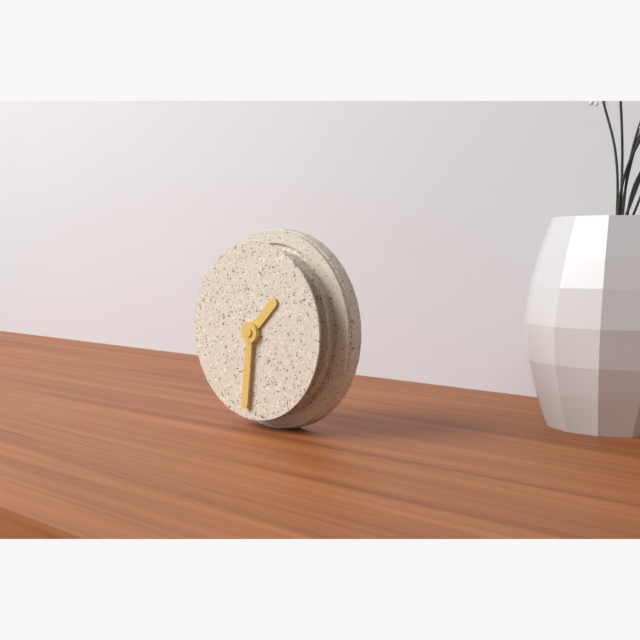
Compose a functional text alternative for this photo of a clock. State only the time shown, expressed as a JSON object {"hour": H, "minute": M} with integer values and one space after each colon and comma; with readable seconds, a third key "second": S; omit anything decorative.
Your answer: {"hour": 1, "minute": 31}
